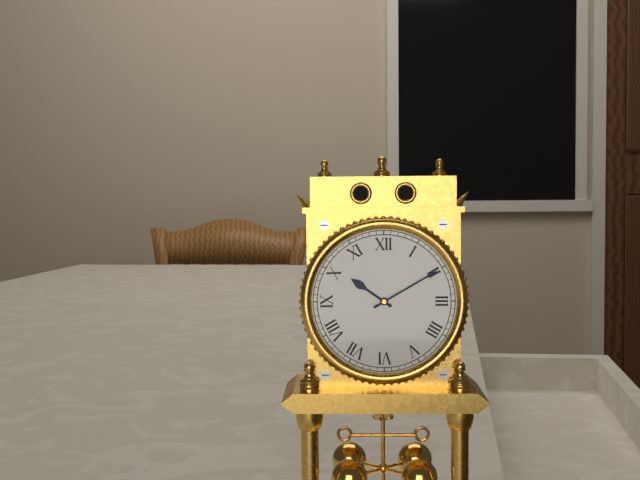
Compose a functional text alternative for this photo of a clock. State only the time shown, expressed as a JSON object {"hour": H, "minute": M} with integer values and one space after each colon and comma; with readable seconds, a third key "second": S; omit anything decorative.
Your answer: {"hour": 10, "minute": 10}
